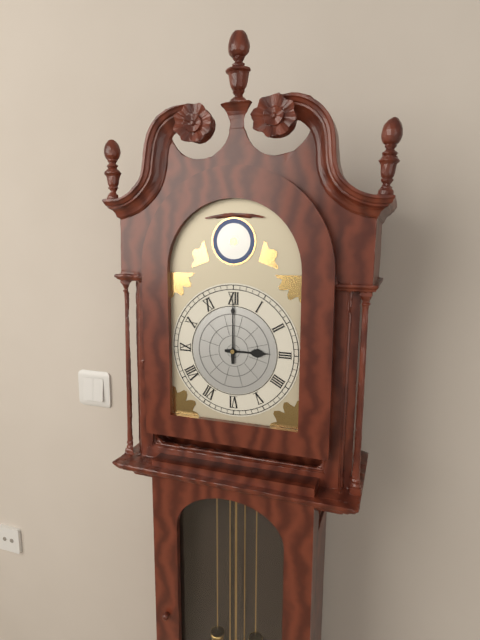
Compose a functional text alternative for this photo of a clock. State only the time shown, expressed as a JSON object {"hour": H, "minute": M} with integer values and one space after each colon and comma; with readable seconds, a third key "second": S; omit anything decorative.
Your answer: {"hour": 3, "minute": 0}
